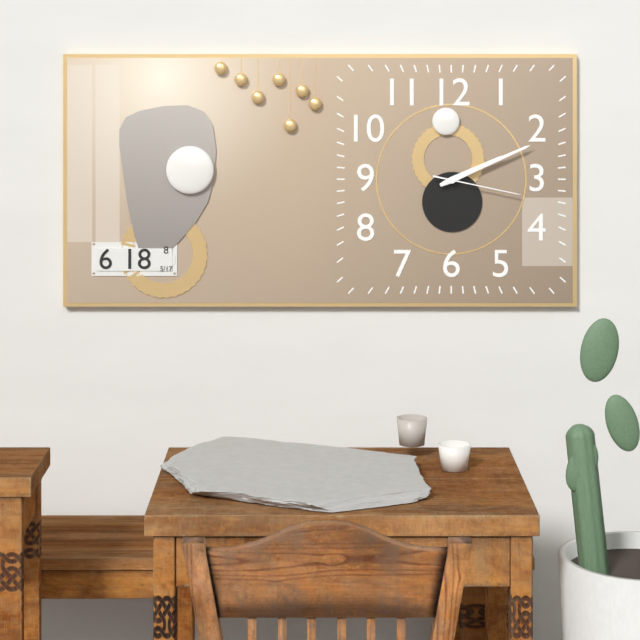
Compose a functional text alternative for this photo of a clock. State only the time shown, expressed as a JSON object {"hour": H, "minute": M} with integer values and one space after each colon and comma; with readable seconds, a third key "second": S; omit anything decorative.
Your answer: {"hour": 2, "minute": 11, "second": 17}
